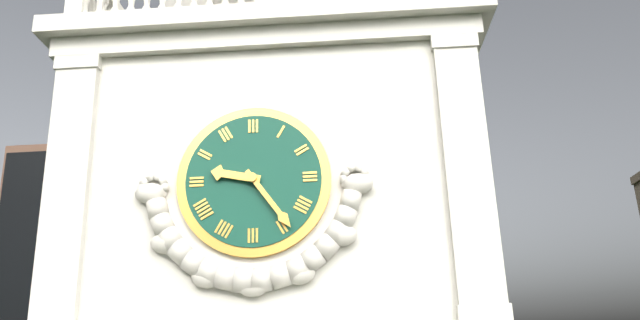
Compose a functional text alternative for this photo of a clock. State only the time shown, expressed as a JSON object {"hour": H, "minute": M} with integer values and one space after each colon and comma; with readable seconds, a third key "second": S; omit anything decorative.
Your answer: {"hour": 9, "minute": 24}
